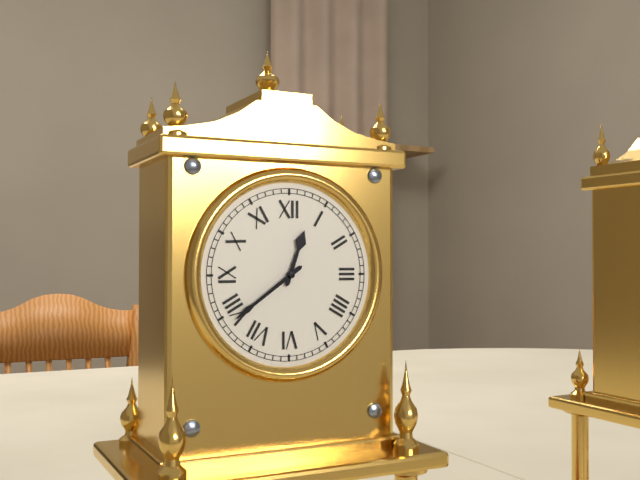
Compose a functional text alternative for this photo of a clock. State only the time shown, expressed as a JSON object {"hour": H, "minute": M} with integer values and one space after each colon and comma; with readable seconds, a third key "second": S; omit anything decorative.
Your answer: {"hour": 12, "minute": 39}
